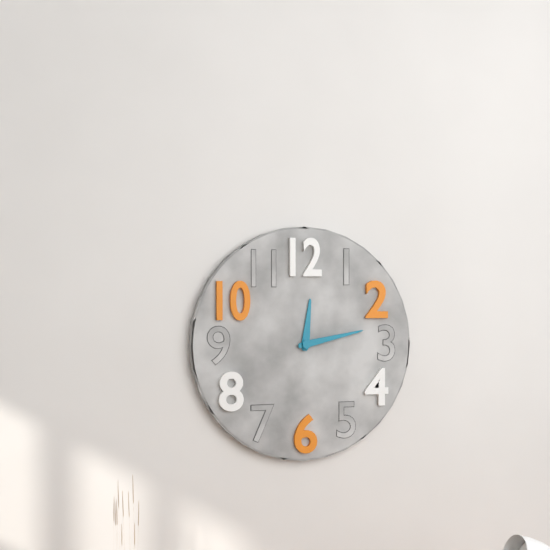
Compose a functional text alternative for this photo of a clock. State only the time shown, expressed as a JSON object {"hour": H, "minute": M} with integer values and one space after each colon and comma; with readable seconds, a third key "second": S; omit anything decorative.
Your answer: {"hour": 12, "minute": 13}
